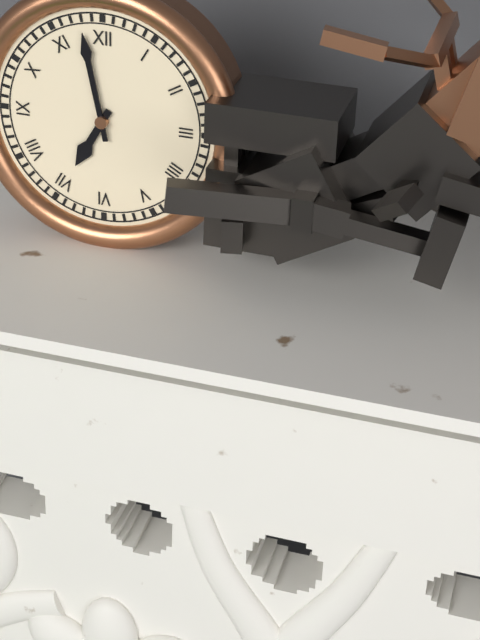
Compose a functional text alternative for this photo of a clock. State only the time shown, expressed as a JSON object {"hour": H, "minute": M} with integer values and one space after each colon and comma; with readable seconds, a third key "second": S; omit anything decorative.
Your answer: {"hour": 6, "minute": 58}
